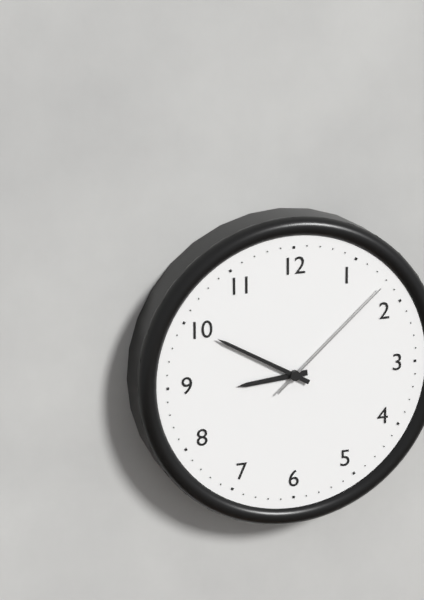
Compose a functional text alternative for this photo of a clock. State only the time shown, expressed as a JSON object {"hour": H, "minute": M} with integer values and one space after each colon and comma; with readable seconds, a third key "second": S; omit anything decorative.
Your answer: {"hour": 8, "minute": 50, "second": 8}
